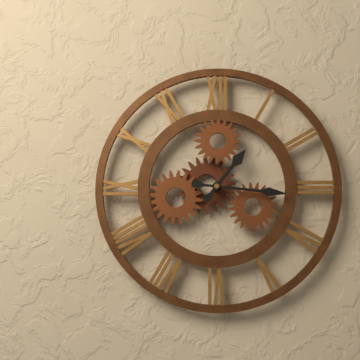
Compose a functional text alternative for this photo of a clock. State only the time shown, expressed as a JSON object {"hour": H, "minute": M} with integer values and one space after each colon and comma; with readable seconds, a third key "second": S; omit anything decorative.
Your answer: {"hour": 1, "minute": 16}
